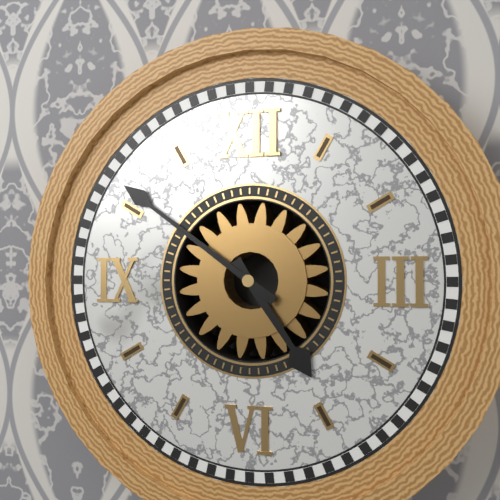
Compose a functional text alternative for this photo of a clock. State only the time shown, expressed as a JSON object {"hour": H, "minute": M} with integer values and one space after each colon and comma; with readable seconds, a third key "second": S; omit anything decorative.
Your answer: {"hour": 4, "minute": 51}
